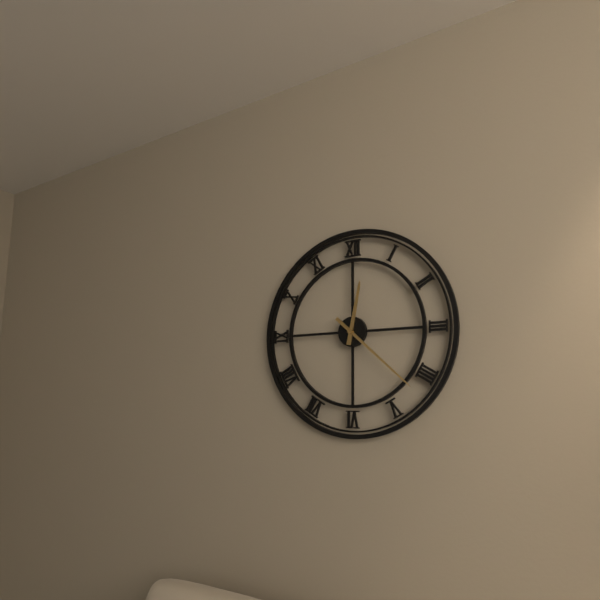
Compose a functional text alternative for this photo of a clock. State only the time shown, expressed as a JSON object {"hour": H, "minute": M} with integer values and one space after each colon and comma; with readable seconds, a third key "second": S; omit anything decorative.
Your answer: {"hour": 12, "minute": 22}
